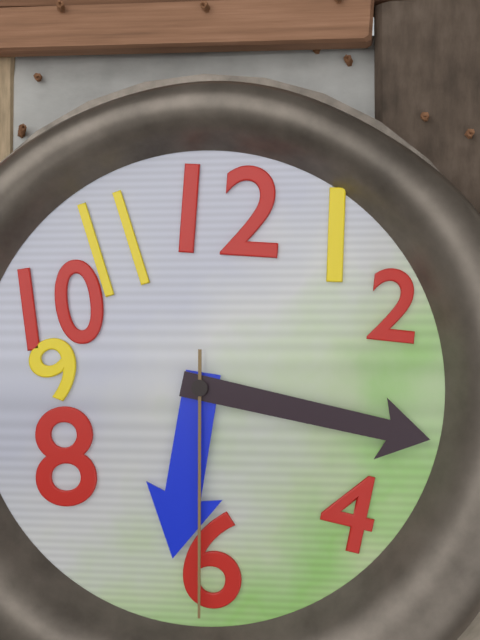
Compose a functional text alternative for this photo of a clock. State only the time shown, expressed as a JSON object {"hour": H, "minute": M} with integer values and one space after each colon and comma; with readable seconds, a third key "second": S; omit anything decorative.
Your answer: {"hour": 6, "minute": 17, "second": 30}
